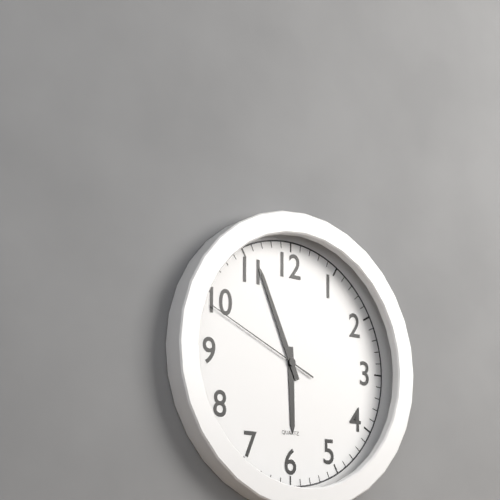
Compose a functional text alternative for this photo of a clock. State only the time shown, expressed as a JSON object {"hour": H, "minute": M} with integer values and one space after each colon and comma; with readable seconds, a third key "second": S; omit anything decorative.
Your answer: {"hour": 5, "minute": 56, "second": 49}
